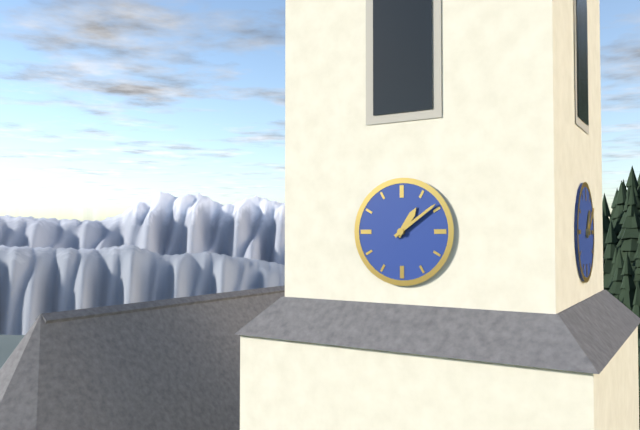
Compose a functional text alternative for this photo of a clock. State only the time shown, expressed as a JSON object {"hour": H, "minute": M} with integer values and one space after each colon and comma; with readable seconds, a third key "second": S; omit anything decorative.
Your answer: {"hour": 1, "minute": 9}
